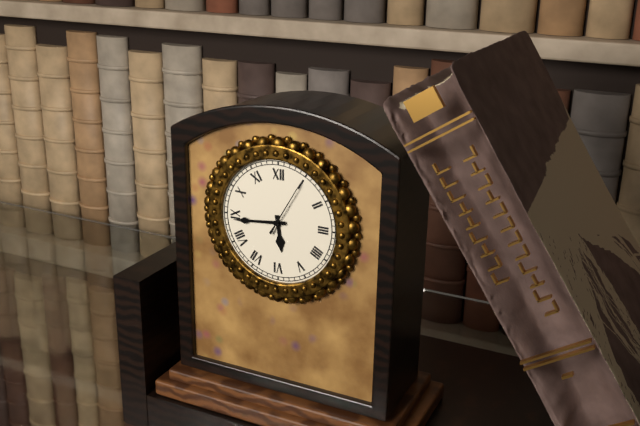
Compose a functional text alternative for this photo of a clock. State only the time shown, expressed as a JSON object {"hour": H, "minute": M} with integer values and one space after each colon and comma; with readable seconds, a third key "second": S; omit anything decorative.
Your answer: {"hour": 5, "minute": 44, "second": 5}
